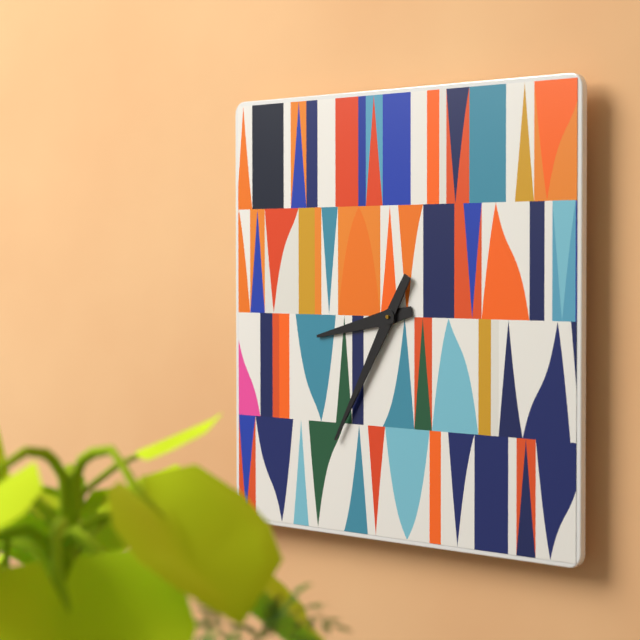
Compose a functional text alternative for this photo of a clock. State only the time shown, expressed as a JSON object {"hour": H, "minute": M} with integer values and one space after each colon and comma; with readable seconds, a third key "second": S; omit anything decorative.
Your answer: {"hour": 8, "minute": 35}
